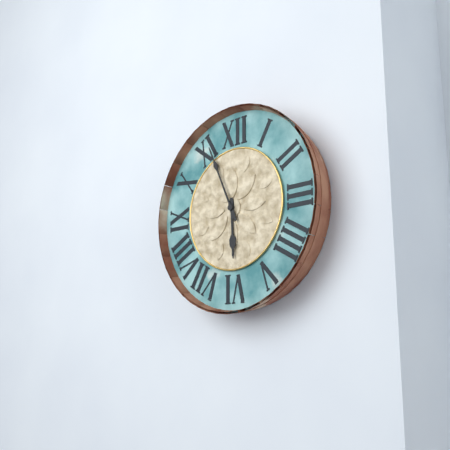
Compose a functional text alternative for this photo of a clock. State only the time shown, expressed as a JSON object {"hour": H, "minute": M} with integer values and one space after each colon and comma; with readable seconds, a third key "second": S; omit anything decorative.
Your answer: {"hour": 5, "minute": 56}
